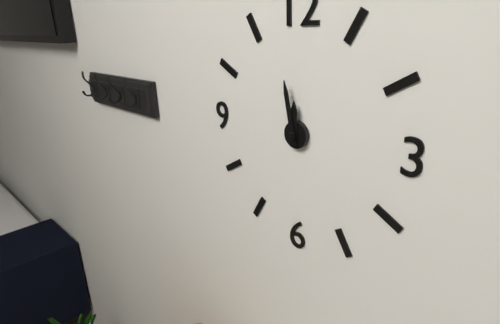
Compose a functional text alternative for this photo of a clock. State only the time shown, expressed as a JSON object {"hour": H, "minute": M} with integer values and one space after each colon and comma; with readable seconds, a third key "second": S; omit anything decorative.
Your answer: {"hour": 11, "minute": 58}
